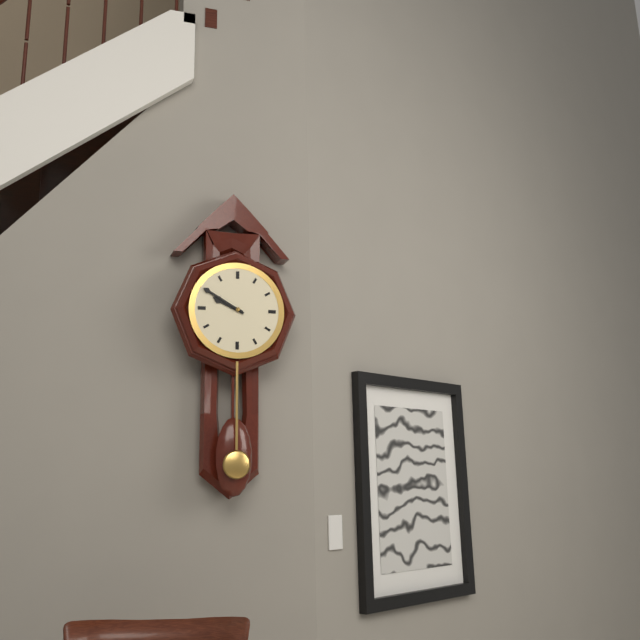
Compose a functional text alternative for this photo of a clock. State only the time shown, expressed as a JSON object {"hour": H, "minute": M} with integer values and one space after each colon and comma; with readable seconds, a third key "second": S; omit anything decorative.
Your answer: {"hour": 9, "minute": 50}
